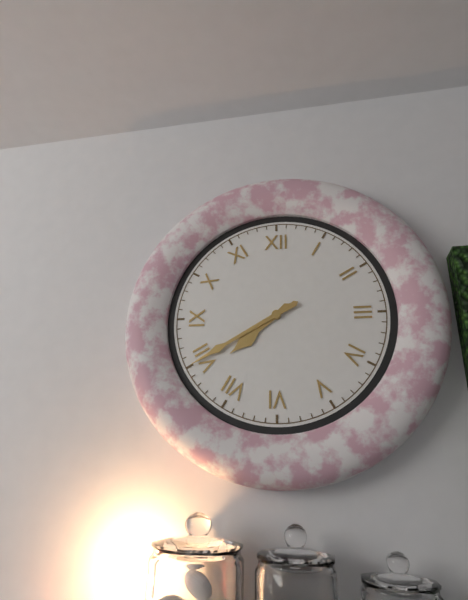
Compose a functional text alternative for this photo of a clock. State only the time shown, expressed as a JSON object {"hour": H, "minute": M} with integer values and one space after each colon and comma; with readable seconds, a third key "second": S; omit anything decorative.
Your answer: {"hour": 7, "minute": 40}
